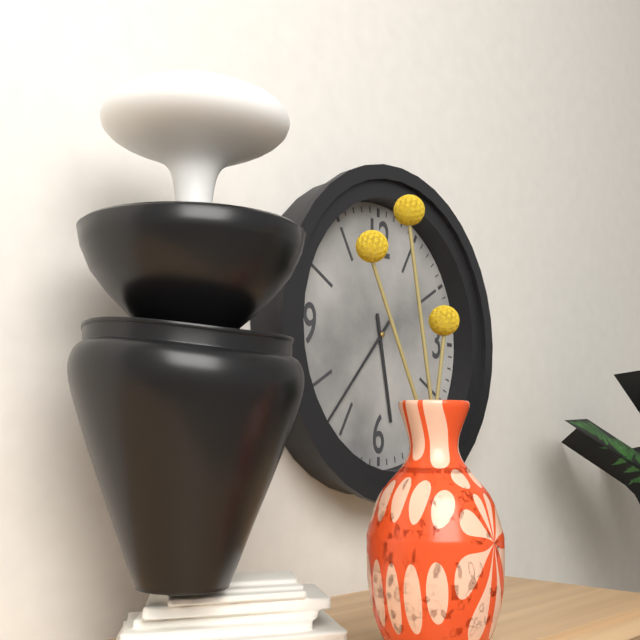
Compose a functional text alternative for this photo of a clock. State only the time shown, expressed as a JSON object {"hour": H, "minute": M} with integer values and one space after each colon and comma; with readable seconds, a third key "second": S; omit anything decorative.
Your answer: {"hour": 5, "minute": 37}
